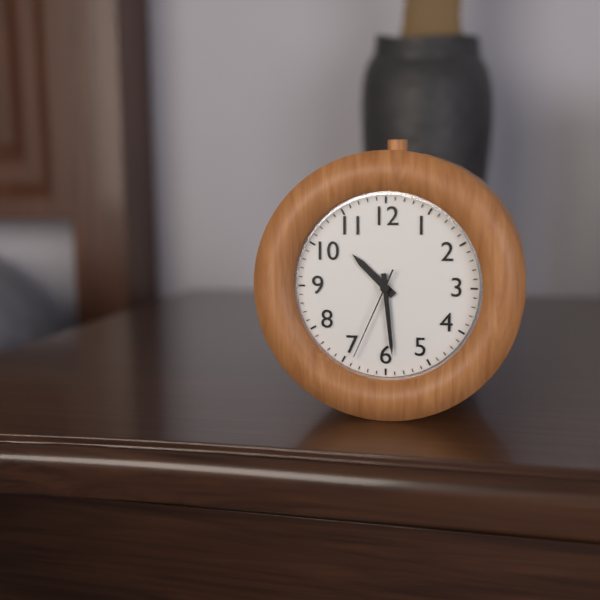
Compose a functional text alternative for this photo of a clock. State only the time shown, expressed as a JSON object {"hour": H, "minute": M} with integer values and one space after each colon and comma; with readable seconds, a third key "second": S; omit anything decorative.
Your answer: {"hour": 10, "minute": 29, "second": 34}
